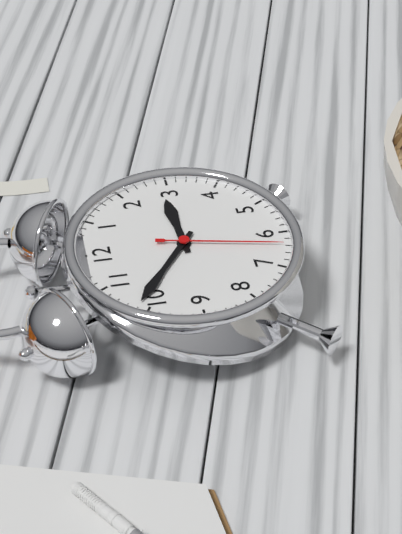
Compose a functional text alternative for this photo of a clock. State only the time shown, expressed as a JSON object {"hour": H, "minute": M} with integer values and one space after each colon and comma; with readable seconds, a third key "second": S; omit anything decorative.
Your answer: {"hour": 2, "minute": 51, "second": 32}
